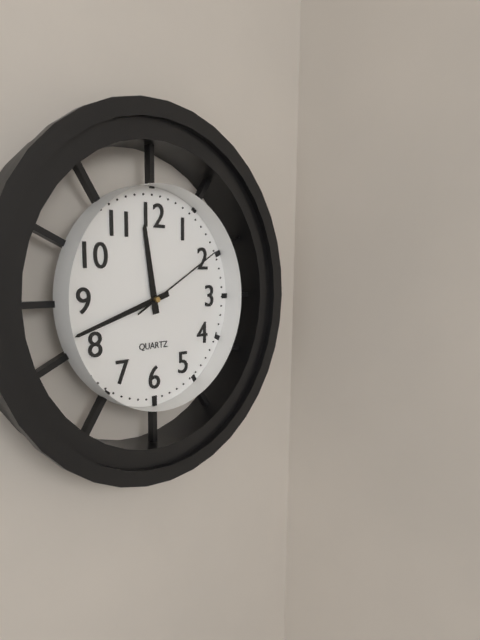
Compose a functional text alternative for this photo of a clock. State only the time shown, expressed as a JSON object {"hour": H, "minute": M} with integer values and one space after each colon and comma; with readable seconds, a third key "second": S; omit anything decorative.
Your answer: {"hour": 11, "minute": 42, "second": 10}
